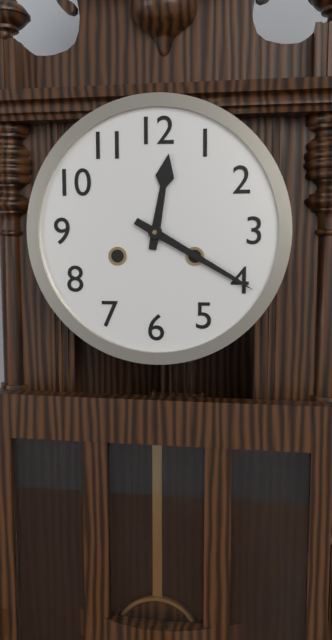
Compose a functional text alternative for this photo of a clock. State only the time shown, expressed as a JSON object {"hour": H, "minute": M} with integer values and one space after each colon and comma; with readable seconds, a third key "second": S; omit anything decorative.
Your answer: {"hour": 12, "minute": 20}
